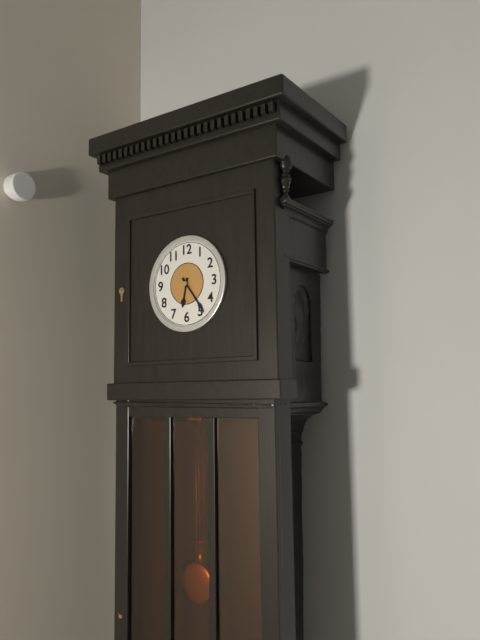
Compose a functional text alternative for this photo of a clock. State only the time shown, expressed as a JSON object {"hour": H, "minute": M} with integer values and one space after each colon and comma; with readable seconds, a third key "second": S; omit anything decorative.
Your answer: {"hour": 6, "minute": 24}
